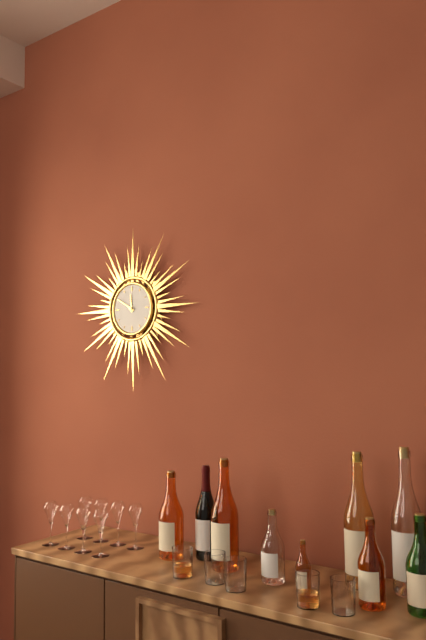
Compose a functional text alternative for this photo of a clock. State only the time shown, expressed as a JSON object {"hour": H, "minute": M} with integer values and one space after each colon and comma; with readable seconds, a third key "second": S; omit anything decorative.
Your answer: {"hour": 11, "minute": 50}
